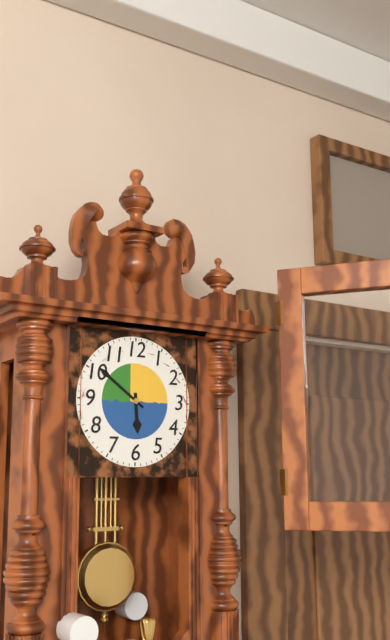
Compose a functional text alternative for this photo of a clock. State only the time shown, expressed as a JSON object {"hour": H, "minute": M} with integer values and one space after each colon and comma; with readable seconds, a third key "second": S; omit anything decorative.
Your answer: {"hour": 5, "minute": 51}
